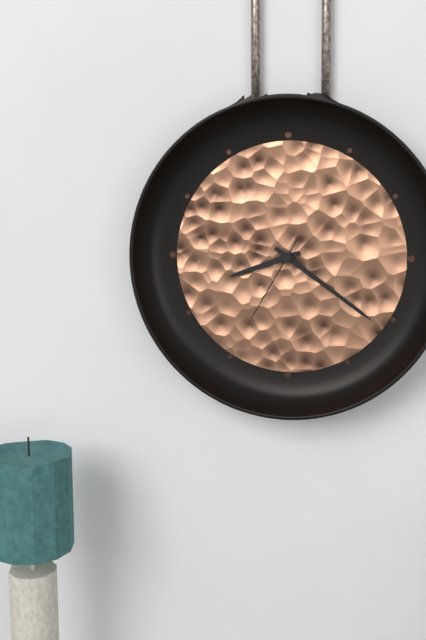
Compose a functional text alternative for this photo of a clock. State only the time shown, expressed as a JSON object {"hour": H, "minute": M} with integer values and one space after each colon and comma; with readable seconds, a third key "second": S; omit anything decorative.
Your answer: {"hour": 8, "minute": 21, "second": 35}
